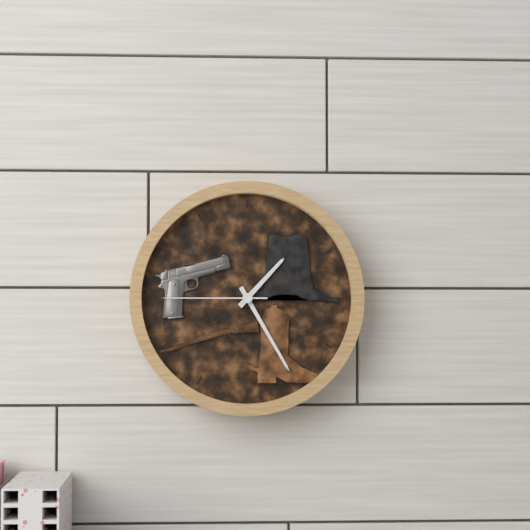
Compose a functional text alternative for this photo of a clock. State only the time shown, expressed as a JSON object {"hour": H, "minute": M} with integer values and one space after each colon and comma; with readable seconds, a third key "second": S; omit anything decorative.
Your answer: {"hour": 1, "minute": 25, "second": 45}
